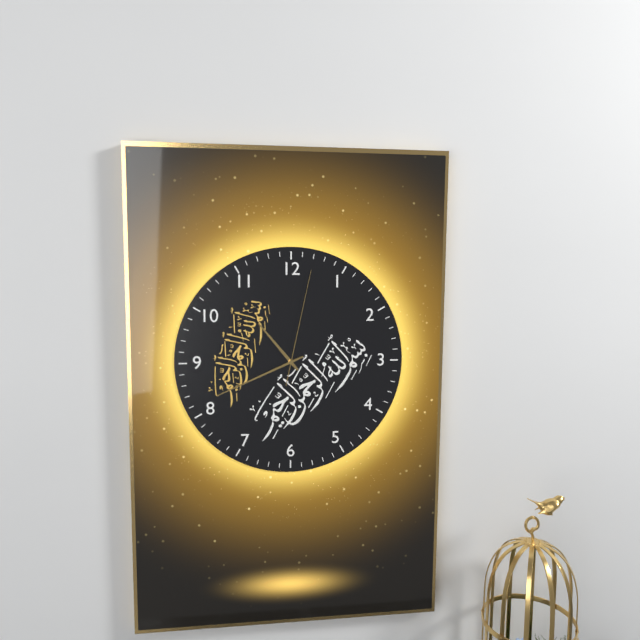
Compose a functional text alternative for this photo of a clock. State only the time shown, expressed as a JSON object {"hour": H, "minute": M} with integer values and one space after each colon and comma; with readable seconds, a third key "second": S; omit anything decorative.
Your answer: {"hour": 10, "minute": 41, "second": 2}
